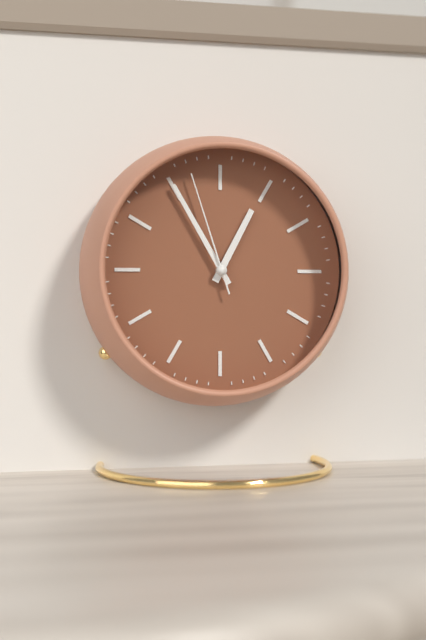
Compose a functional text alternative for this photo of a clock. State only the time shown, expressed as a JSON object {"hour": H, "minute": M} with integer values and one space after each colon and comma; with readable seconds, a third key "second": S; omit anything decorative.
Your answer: {"hour": 12, "minute": 55, "second": 57}
